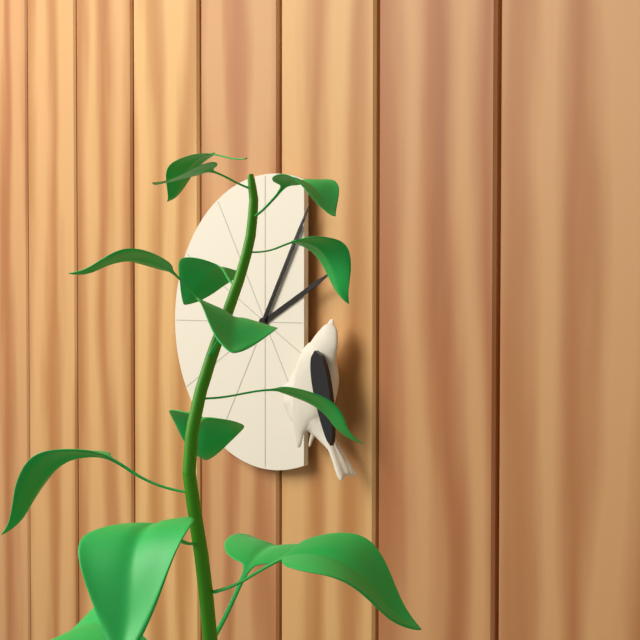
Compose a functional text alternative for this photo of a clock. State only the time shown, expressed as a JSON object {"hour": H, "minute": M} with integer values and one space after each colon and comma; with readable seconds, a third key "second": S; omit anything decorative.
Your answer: {"hour": 2, "minute": 5}
